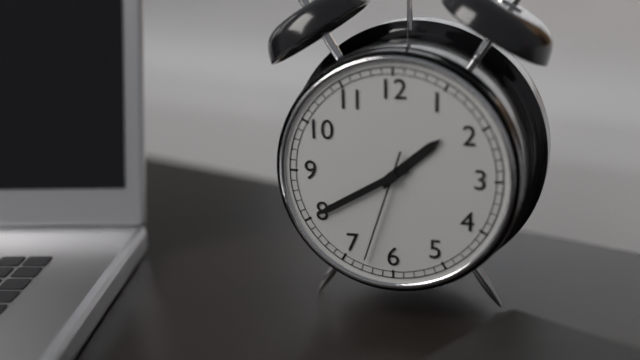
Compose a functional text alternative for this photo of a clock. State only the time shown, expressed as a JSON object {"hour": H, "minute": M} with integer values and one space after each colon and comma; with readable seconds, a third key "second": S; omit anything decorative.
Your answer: {"hour": 1, "minute": 40, "second": 33}
